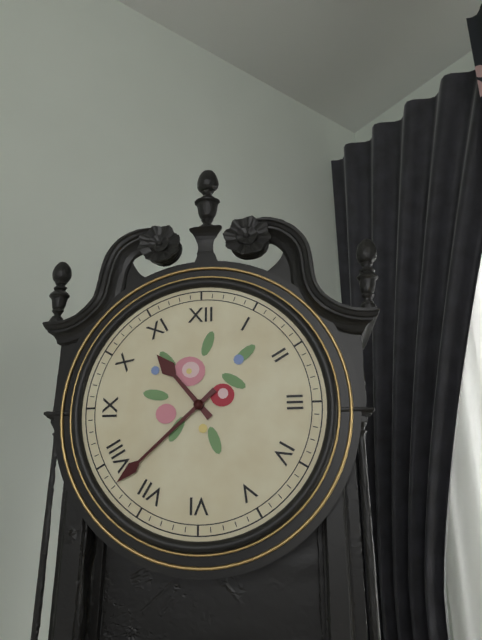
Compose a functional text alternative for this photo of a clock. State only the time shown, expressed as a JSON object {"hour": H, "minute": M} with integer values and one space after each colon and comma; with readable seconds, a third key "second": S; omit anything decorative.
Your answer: {"hour": 10, "minute": 38}
